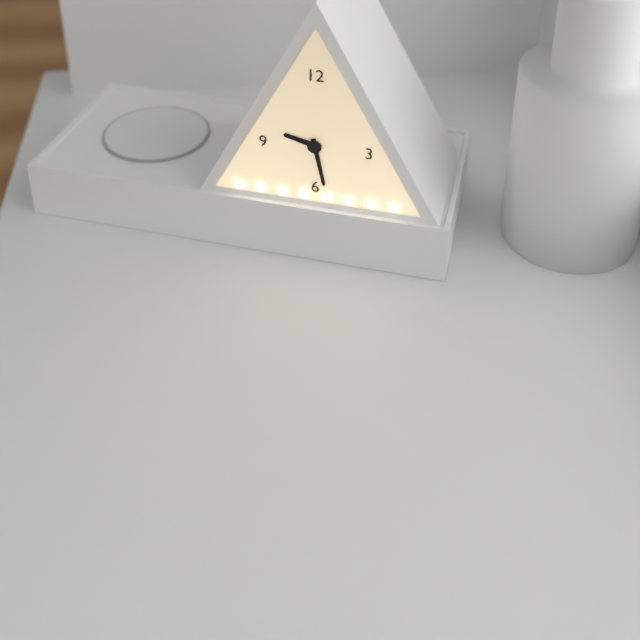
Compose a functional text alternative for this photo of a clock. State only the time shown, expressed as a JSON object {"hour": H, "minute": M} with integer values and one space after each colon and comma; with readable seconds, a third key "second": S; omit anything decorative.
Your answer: {"hour": 9, "minute": 28}
